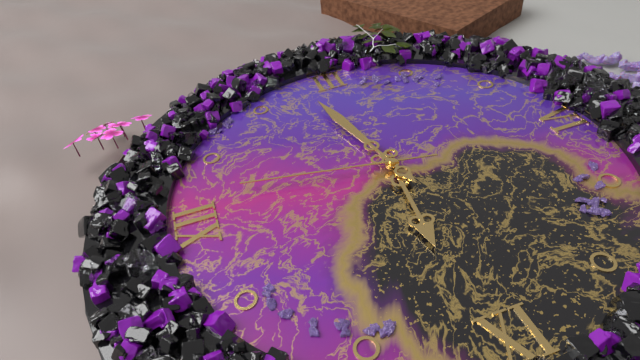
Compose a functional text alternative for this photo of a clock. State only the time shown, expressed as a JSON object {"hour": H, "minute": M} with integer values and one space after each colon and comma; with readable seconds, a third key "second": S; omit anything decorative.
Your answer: {"hour": 9, "minute": 13, "second": 2}
